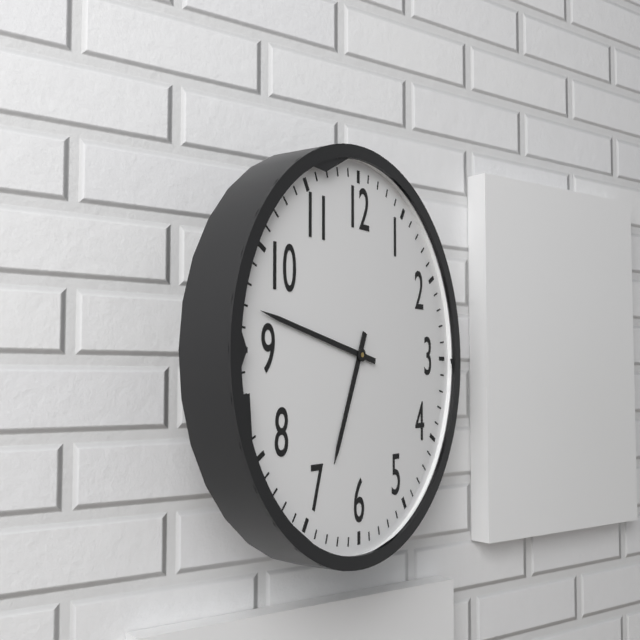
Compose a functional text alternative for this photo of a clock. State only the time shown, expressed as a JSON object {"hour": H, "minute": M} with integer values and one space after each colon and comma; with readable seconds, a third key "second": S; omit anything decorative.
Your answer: {"hour": 6, "minute": 47}
